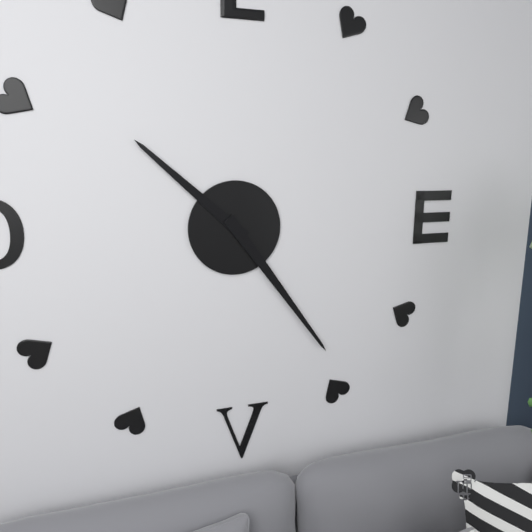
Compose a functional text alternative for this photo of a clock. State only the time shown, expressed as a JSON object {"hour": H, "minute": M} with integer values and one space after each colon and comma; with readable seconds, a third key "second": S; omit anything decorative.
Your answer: {"hour": 10, "minute": 24}
